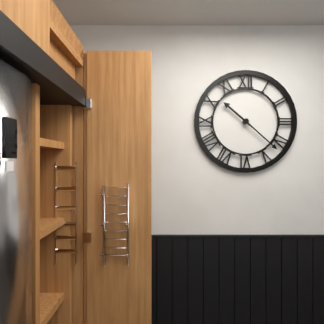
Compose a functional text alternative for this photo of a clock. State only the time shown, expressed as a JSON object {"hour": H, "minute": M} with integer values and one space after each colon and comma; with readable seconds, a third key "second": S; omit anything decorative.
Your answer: {"hour": 10, "minute": 22}
